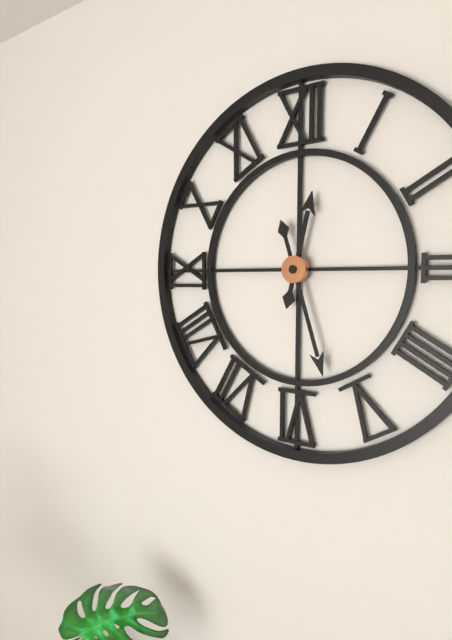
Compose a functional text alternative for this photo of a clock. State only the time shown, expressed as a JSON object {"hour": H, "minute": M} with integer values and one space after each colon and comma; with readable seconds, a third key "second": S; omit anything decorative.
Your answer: {"hour": 12, "minute": 27}
